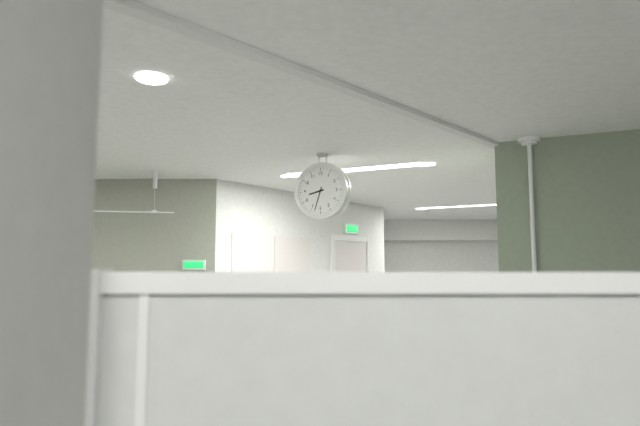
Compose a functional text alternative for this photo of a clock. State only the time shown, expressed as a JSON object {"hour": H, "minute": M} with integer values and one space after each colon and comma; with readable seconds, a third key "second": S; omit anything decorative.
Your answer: {"hour": 8, "minute": 33}
